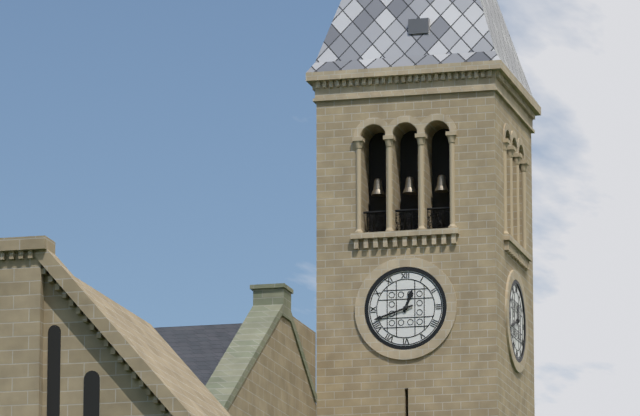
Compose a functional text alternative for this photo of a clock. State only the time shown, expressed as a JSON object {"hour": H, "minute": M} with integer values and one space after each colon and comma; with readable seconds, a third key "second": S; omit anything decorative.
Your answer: {"hour": 12, "minute": 42}
